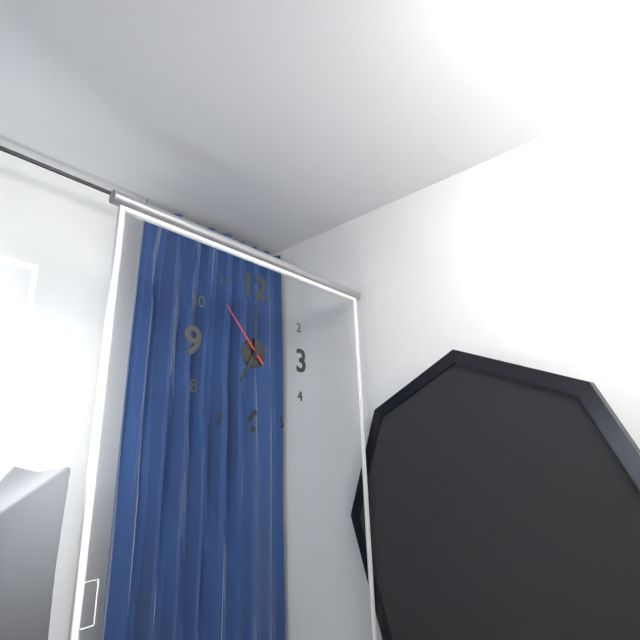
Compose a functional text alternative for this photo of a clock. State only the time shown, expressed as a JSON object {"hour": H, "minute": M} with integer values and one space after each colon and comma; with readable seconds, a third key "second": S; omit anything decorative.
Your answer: {"hour": 7, "minute": 0, "second": 53}
